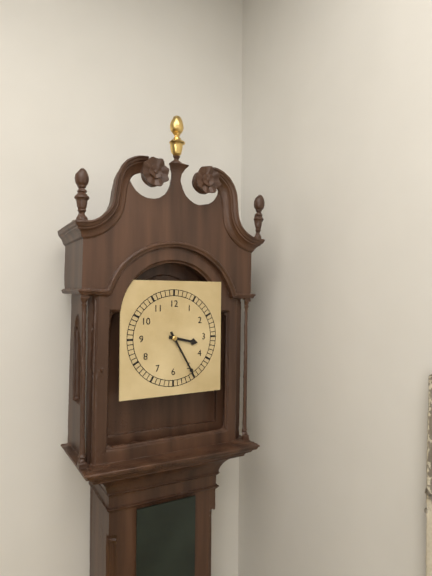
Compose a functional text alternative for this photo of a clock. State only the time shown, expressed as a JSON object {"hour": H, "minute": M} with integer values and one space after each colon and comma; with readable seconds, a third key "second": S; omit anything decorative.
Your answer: {"hour": 3, "minute": 25}
